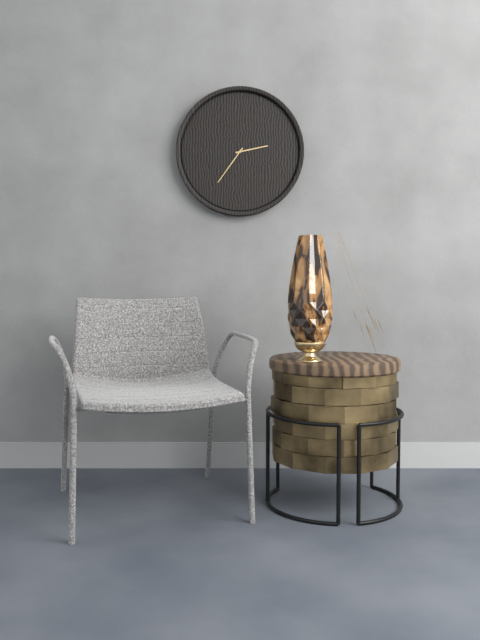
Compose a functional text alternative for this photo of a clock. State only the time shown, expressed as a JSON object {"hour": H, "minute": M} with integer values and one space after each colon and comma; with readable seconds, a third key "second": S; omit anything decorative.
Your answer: {"hour": 2, "minute": 36}
